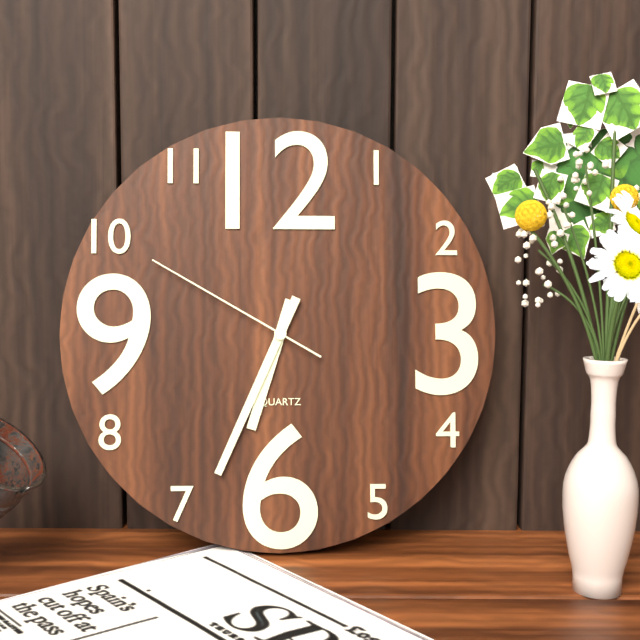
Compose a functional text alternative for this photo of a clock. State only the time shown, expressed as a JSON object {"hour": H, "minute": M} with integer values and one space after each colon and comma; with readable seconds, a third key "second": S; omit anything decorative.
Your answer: {"hour": 6, "minute": 34, "second": 50}
